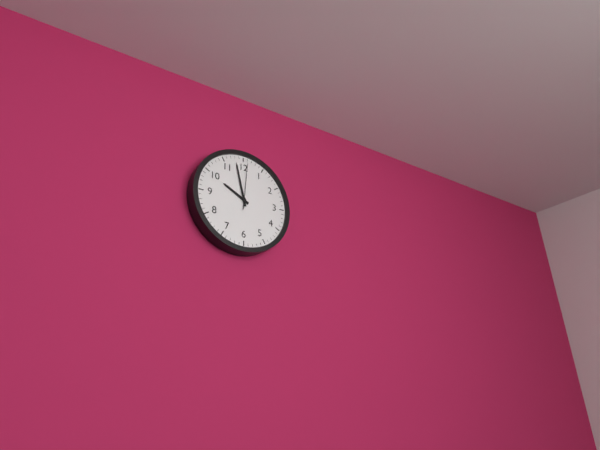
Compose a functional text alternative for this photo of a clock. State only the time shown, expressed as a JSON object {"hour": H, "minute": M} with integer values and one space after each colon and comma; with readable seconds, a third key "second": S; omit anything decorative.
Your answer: {"hour": 9, "minute": 58}
